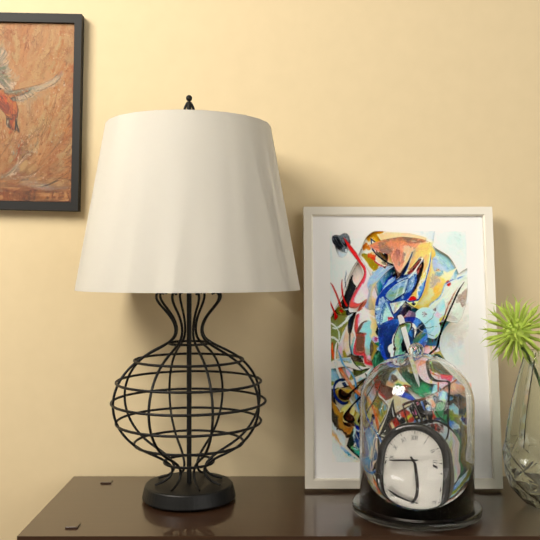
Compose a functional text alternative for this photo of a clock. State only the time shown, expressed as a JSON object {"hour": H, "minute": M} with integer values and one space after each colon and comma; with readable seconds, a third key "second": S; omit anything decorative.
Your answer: {"hour": 4, "minute": 44}
